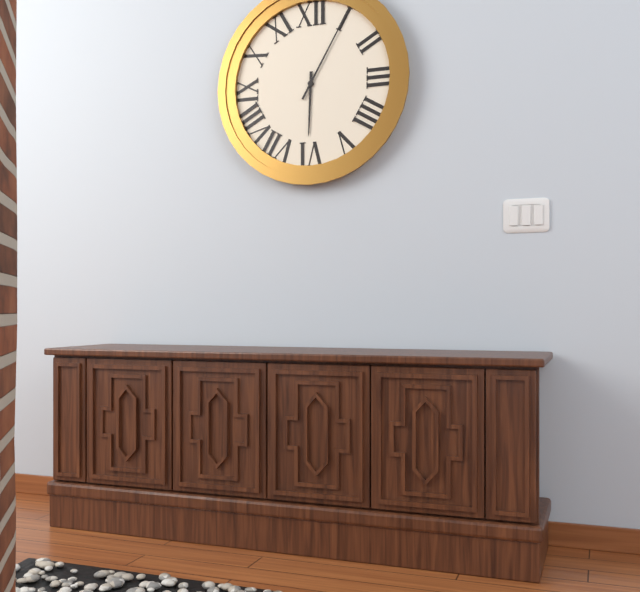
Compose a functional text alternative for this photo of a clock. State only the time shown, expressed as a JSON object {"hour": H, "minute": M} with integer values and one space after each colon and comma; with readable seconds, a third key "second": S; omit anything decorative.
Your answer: {"hour": 6, "minute": 5}
